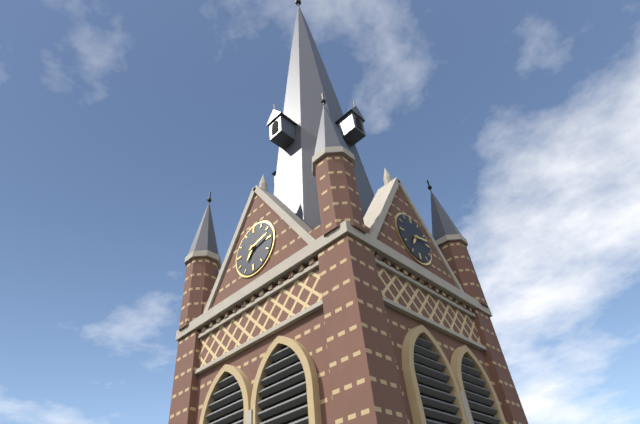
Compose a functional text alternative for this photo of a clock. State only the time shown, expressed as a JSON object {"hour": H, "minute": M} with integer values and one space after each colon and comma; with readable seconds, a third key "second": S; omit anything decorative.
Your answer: {"hour": 7, "minute": 13}
